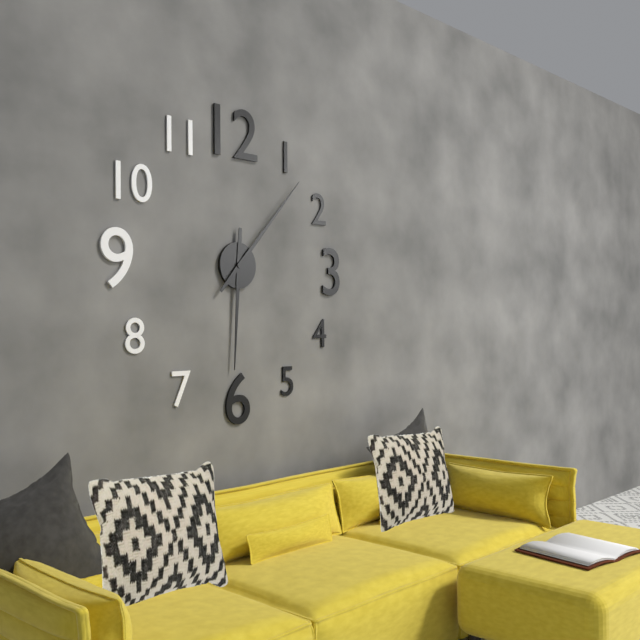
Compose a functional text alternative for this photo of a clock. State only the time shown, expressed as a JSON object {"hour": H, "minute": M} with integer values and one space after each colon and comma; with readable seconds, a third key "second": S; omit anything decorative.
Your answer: {"hour": 6, "minute": 7}
